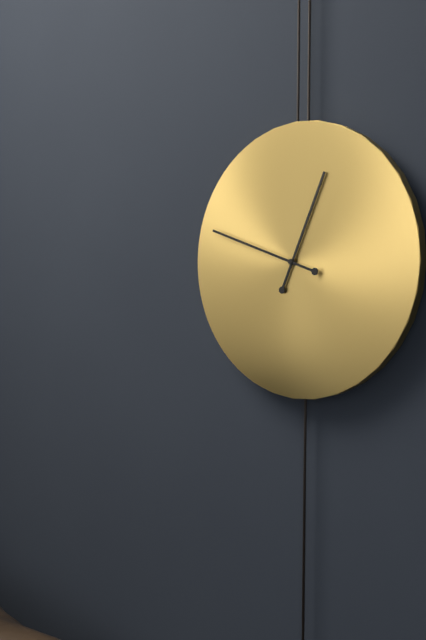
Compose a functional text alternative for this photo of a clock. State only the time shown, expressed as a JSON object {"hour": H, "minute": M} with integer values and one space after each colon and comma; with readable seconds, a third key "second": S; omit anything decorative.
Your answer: {"hour": 12, "minute": 48}
